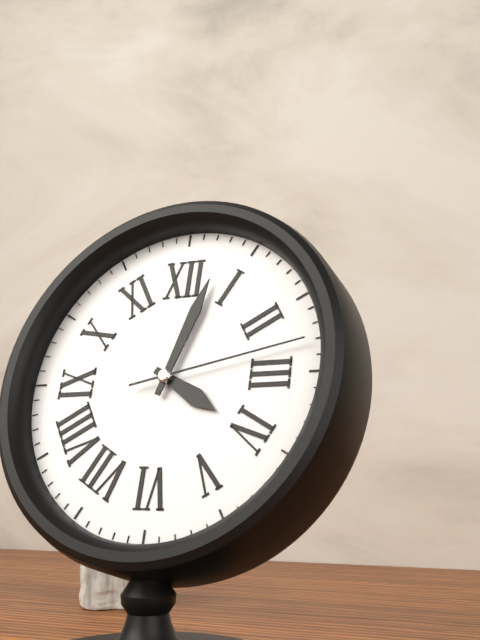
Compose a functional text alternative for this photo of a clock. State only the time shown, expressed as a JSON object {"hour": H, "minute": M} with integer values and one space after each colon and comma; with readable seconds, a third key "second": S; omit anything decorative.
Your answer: {"hour": 4, "minute": 3, "second": 13}
